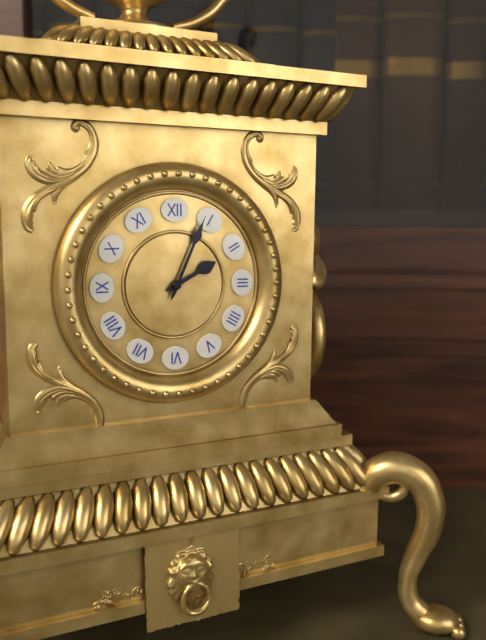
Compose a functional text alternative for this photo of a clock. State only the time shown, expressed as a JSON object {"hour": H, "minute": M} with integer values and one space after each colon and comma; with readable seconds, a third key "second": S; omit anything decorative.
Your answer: {"hour": 2, "minute": 4}
